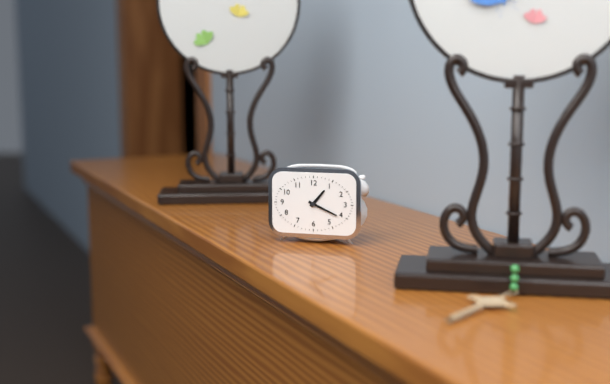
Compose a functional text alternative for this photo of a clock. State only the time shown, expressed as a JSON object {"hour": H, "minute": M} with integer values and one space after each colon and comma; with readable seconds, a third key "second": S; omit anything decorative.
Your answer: {"hour": 1, "minute": 19}
